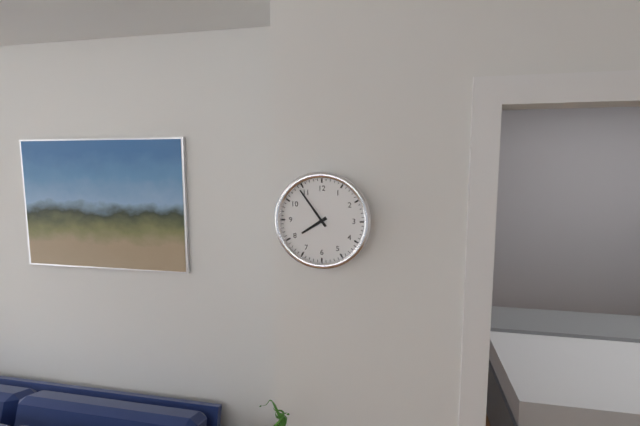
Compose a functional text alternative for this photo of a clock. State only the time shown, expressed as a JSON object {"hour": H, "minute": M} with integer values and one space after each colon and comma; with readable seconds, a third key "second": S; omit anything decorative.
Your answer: {"hour": 7, "minute": 54}
